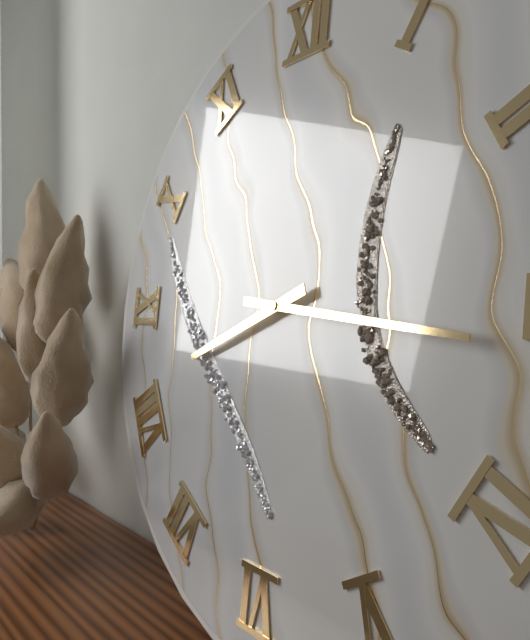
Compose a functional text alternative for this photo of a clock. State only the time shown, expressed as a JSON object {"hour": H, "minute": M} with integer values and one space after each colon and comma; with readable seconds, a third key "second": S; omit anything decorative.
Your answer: {"hour": 8, "minute": 16}
